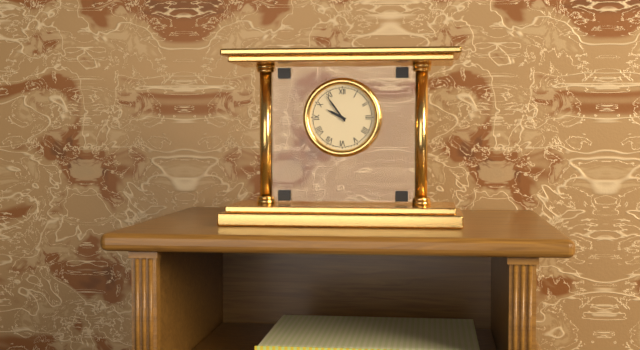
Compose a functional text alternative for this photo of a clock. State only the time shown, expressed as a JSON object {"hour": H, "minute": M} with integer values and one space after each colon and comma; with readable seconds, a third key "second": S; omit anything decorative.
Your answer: {"hour": 9, "minute": 54}
